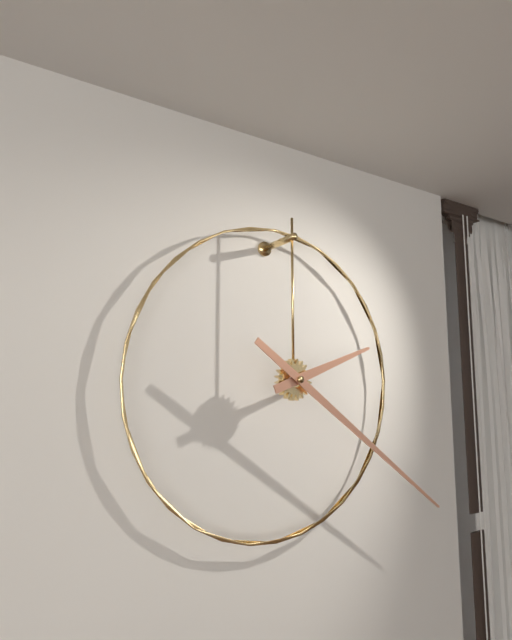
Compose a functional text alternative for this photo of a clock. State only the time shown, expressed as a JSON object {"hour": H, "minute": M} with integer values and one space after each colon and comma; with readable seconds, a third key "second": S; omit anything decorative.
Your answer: {"hour": 2, "minute": 21}
